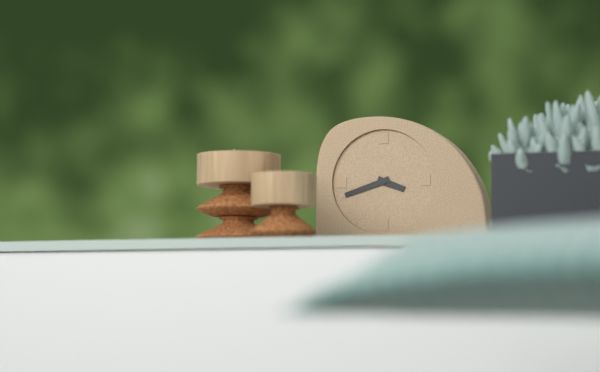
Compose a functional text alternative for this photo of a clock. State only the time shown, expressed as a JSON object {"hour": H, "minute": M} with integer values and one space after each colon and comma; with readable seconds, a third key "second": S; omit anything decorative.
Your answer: {"hour": 3, "minute": 42}
